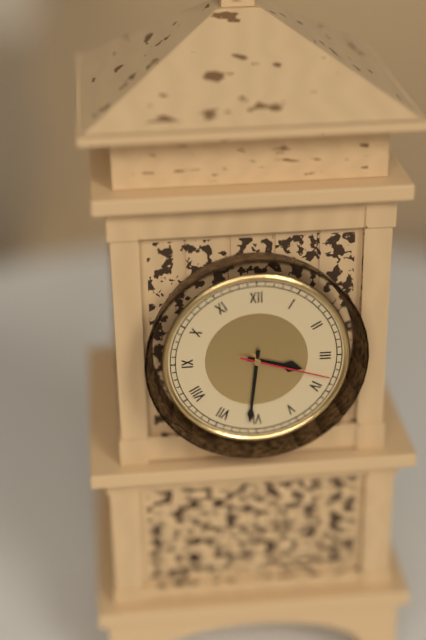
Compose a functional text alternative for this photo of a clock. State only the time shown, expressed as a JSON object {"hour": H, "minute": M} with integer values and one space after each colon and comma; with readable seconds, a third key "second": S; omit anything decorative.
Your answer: {"hour": 3, "minute": 31, "second": 18}
